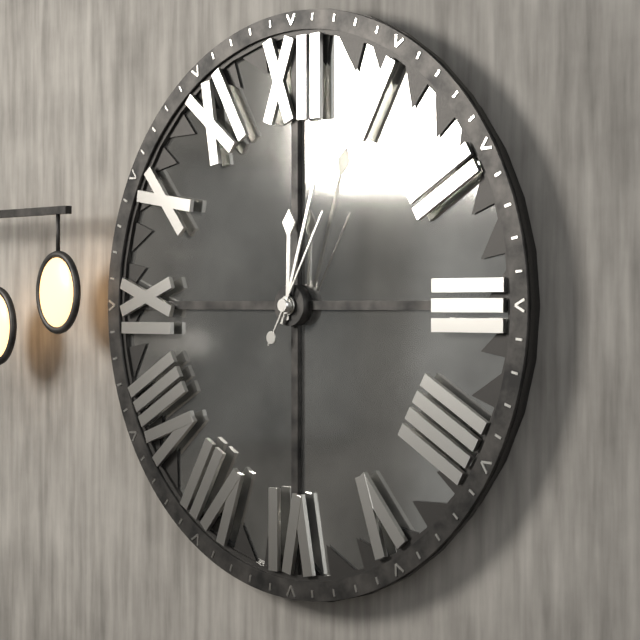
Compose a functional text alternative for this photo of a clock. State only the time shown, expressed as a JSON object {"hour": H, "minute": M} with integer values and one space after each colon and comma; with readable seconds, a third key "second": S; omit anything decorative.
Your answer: {"hour": 12, "minute": 3, "second": 5}
